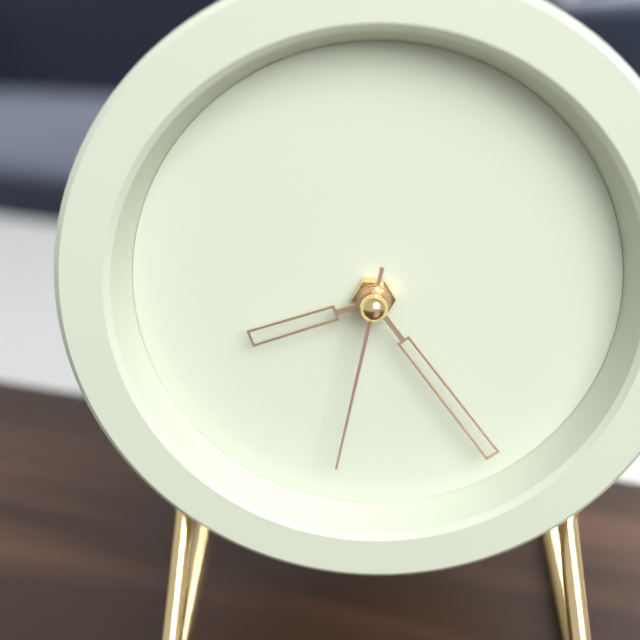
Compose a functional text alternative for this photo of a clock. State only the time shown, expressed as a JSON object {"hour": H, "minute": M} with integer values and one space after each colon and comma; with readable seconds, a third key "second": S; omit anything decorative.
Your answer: {"hour": 8, "minute": 24, "second": 32}
